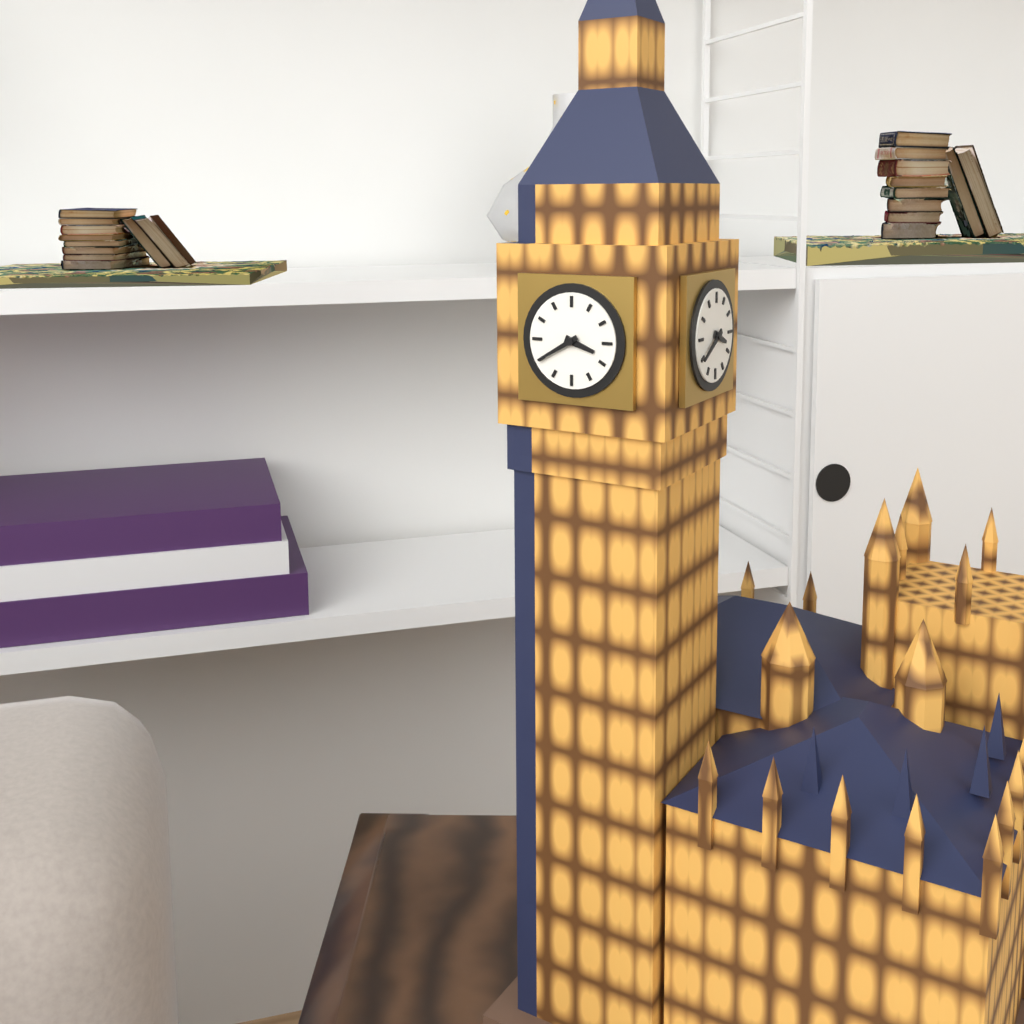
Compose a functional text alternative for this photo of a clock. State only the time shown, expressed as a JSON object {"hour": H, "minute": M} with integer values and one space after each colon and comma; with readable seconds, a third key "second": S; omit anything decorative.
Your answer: {"hour": 3, "minute": 40}
